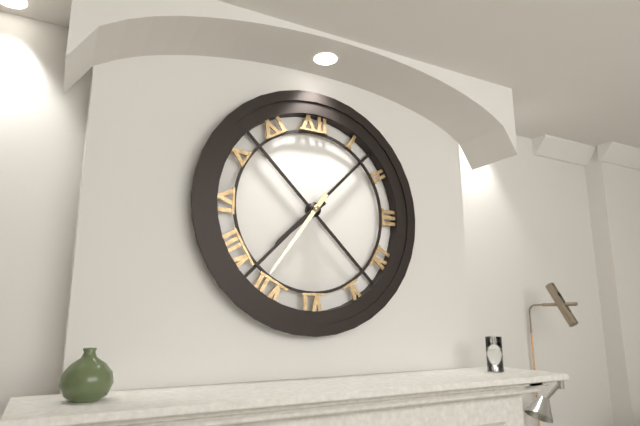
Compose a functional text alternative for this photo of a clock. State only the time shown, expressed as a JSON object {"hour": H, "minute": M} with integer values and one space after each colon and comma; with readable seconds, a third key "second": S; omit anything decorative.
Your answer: {"hour": 7, "minute": 36}
